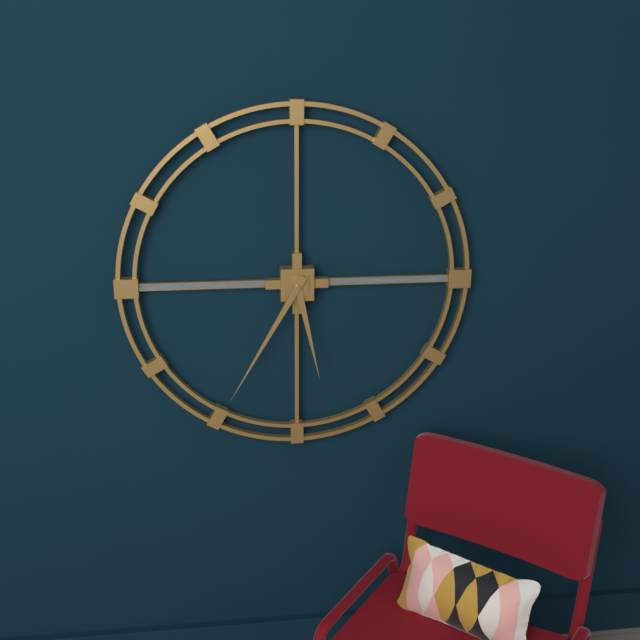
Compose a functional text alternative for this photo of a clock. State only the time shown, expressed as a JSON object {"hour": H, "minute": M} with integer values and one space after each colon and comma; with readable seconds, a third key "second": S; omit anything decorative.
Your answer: {"hour": 5, "minute": 35}
